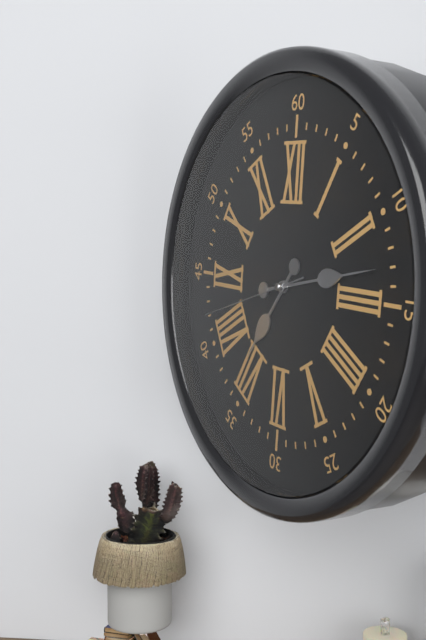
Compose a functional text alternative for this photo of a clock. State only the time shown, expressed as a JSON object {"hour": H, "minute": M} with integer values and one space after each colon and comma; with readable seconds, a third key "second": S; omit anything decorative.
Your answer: {"hour": 7, "minute": 13, "second": 42}
